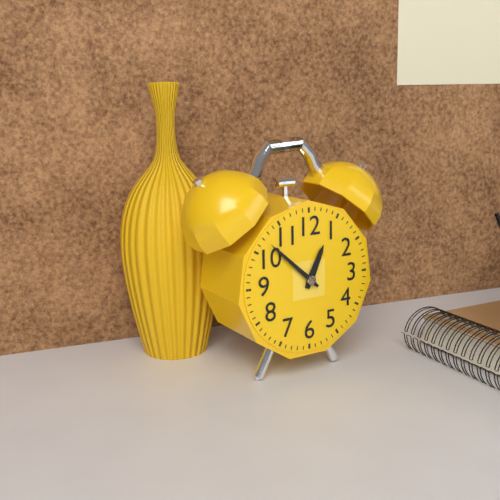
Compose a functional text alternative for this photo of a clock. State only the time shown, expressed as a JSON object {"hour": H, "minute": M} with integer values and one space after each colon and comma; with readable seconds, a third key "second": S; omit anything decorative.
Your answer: {"hour": 12, "minute": 52}
